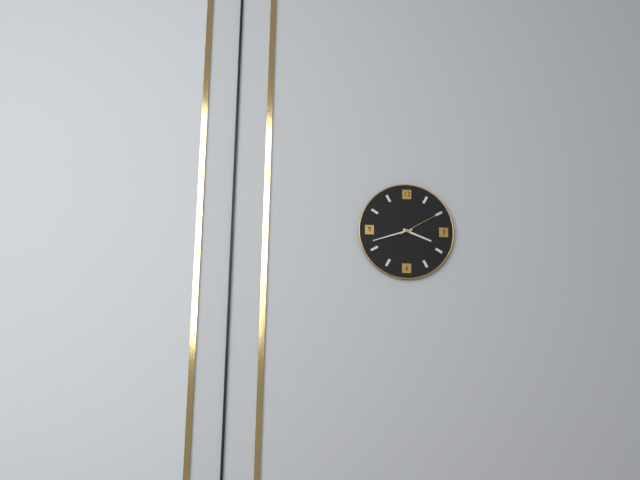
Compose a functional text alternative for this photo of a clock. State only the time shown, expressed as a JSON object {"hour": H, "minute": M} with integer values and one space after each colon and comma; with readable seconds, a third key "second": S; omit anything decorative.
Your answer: {"hour": 3, "minute": 42}
